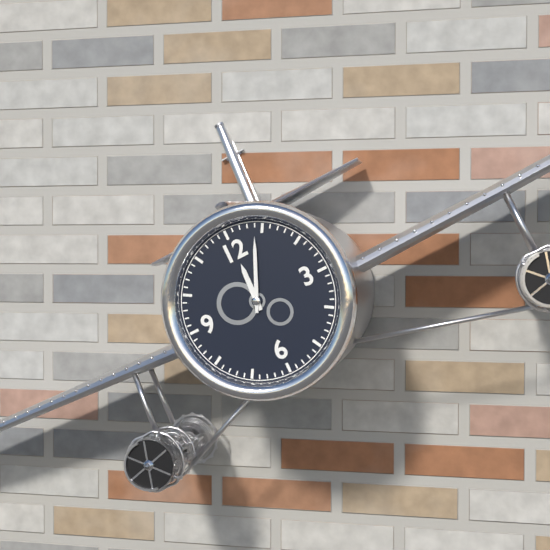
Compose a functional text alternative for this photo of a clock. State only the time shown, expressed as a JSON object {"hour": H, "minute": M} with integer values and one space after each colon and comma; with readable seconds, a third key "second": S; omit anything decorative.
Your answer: {"hour": 12, "minute": 4}
